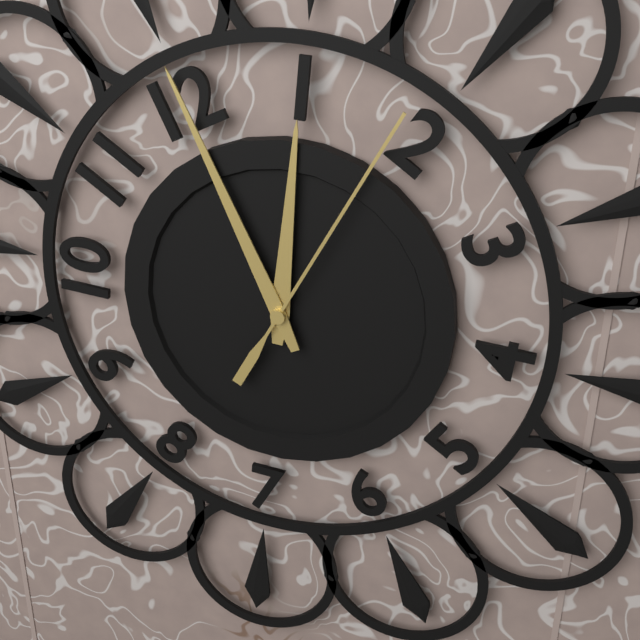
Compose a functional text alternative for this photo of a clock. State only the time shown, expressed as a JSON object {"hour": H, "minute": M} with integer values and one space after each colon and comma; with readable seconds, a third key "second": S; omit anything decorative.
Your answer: {"hour": 1, "minute": 0, "second": 9}
